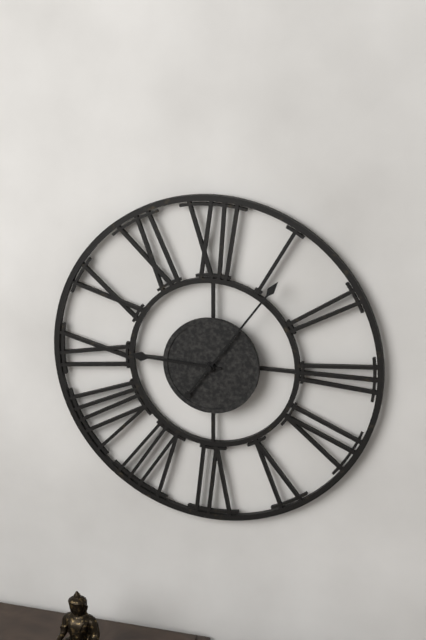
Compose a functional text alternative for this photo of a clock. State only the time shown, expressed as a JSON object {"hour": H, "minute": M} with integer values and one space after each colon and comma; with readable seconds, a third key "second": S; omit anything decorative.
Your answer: {"hour": 9, "minute": 6}
